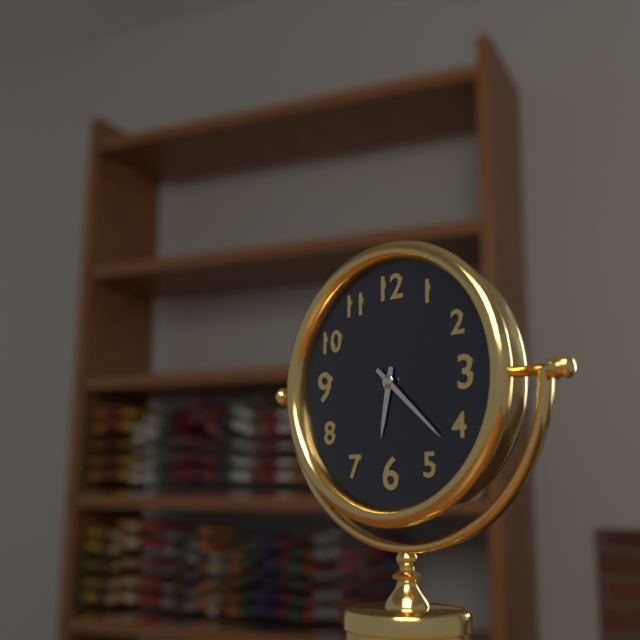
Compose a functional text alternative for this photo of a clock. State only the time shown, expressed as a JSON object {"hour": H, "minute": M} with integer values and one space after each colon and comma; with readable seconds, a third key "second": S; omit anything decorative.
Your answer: {"hour": 6, "minute": 22}
